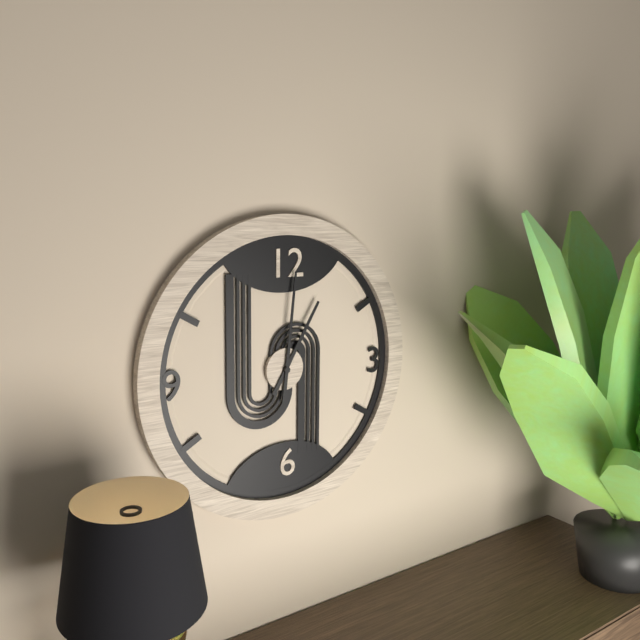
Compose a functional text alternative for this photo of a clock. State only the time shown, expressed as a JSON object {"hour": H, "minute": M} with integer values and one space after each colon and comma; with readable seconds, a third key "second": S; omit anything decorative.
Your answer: {"hour": 1, "minute": 1}
